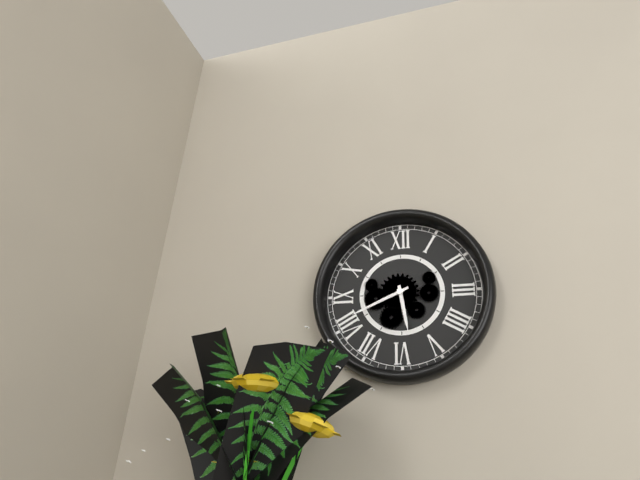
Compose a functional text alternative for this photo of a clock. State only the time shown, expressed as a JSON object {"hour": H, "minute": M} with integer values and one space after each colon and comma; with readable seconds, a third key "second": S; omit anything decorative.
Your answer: {"hour": 5, "minute": 41}
